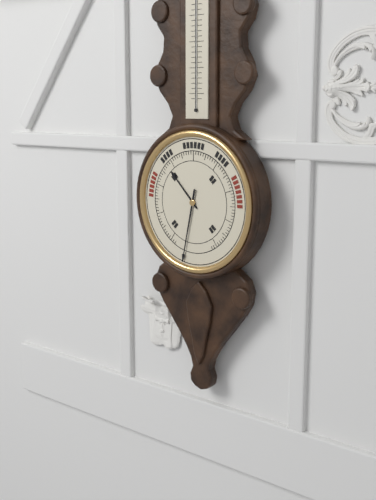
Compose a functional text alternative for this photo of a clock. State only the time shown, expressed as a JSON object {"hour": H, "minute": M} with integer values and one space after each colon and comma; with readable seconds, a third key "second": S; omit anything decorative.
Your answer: {"hour": 10, "minute": 32}
